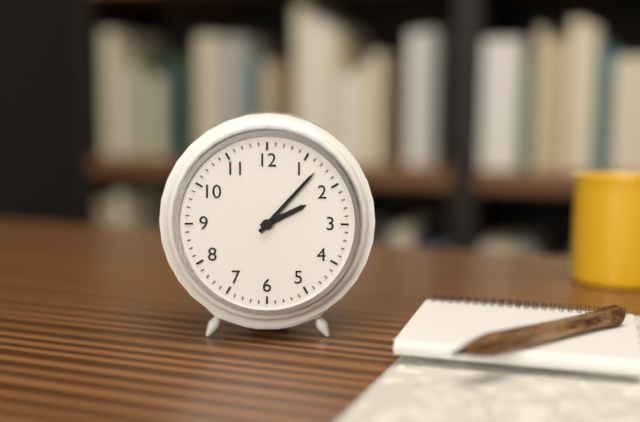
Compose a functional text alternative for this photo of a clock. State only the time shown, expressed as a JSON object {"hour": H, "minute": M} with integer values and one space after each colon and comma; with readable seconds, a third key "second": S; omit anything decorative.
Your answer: {"hour": 2, "minute": 7}
